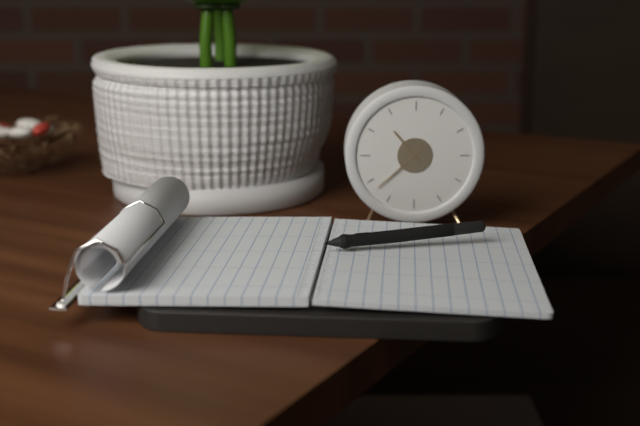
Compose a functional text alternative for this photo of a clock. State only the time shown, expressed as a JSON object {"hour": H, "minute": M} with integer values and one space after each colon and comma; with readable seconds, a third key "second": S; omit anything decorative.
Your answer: {"hour": 10, "minute": 38}
